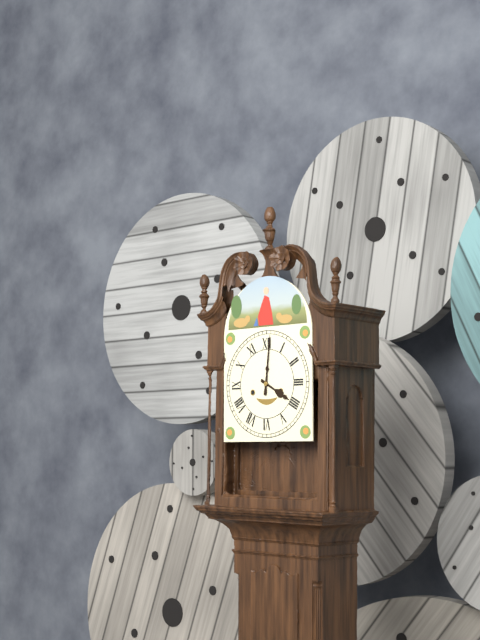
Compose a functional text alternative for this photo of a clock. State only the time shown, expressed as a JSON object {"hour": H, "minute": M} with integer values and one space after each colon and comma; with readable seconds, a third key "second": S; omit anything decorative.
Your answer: {"hour": 4, "minute": 1}
